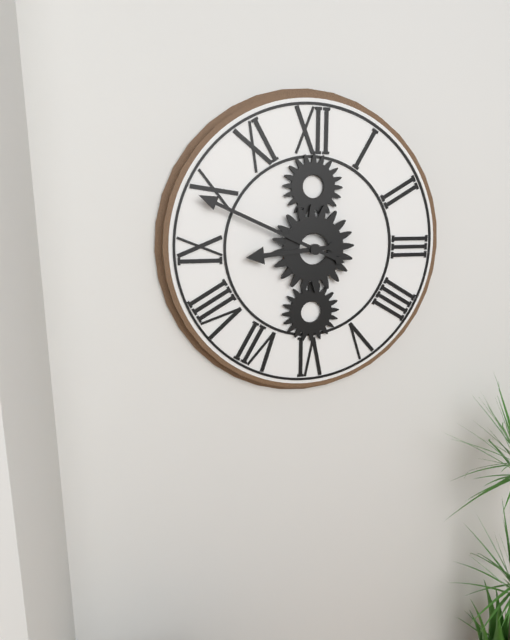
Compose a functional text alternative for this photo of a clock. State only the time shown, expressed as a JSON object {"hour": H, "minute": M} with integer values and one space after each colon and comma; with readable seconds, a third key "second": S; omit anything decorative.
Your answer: {"hour": 8, "minute": 49}
